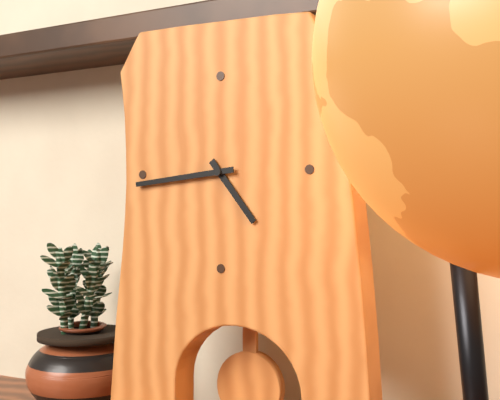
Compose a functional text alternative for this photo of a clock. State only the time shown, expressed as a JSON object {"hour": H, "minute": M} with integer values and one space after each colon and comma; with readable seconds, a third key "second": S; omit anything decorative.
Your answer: {"hour": 4, "minute": 44}
